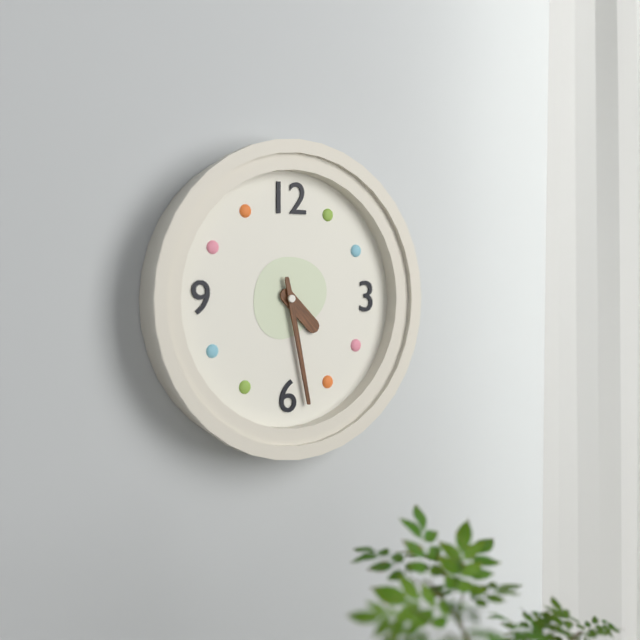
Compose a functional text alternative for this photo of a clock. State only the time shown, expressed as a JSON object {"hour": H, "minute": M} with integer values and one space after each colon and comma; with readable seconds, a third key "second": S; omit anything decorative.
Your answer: {"hour": 4, "minute": 28}
